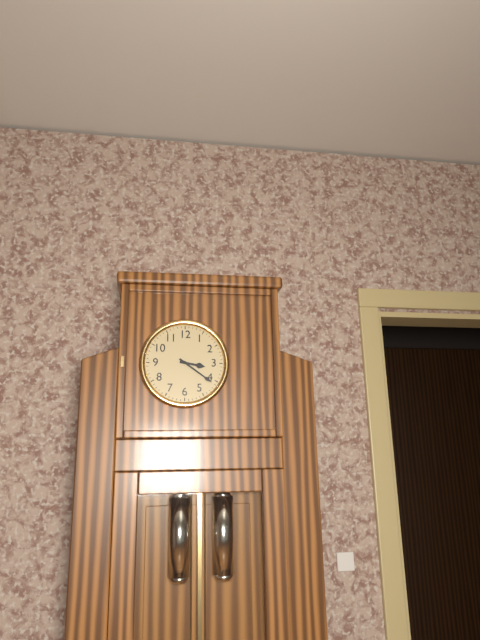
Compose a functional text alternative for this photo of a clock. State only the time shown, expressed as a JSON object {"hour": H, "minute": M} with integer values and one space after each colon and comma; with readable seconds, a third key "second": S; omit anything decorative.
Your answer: {"hour": 3, "minute": 21}
